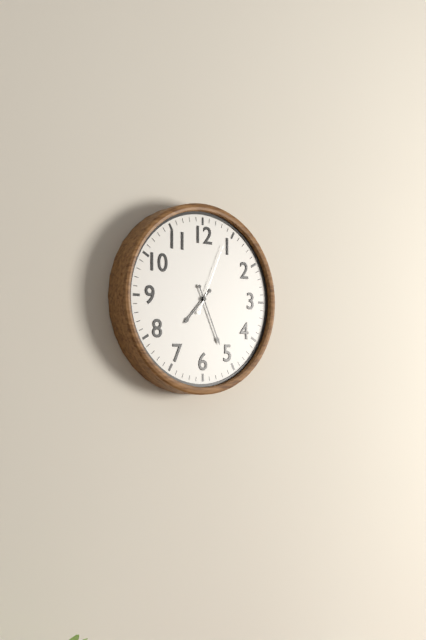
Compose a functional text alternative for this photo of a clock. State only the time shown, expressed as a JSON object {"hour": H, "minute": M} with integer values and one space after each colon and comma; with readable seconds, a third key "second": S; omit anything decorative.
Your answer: {"hour": 7, "minute": 26, "second": 4}
